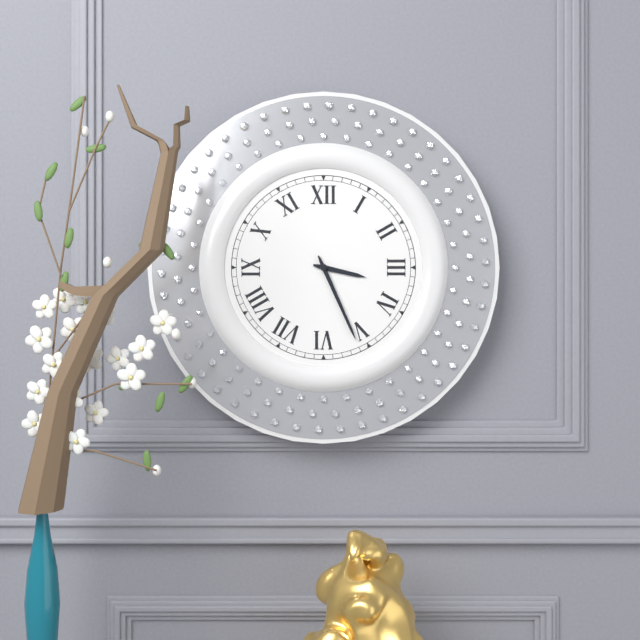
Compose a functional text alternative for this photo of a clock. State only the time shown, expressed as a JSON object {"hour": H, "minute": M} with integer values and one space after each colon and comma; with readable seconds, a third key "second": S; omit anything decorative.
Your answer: {"hour": 3, "minute": 26}
